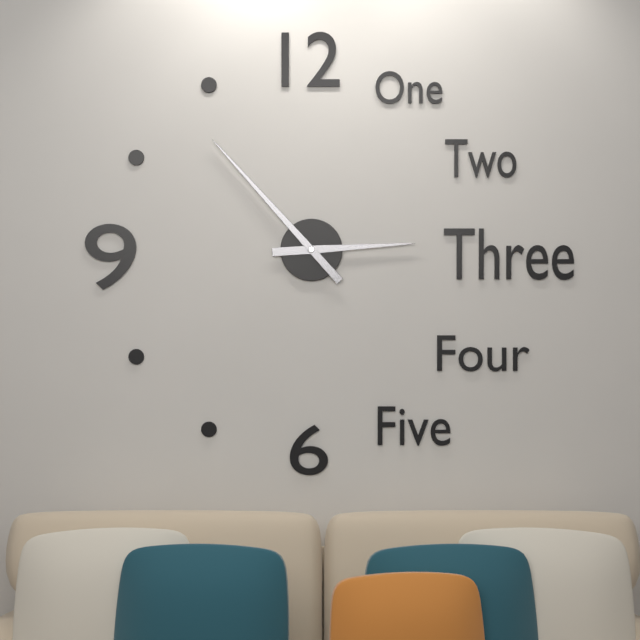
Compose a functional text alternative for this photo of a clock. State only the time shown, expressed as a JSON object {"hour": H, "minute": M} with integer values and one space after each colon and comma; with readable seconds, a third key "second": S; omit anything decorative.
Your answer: {"hour": 2, "minute": 53}
